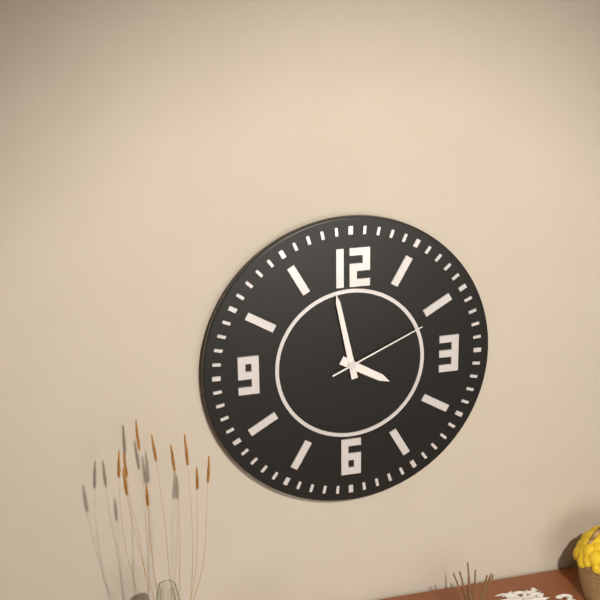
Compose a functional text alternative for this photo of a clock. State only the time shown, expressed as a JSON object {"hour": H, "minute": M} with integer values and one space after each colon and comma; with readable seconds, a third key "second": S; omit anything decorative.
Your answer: {"hour": 3, "minute": 58, "second": 11}
